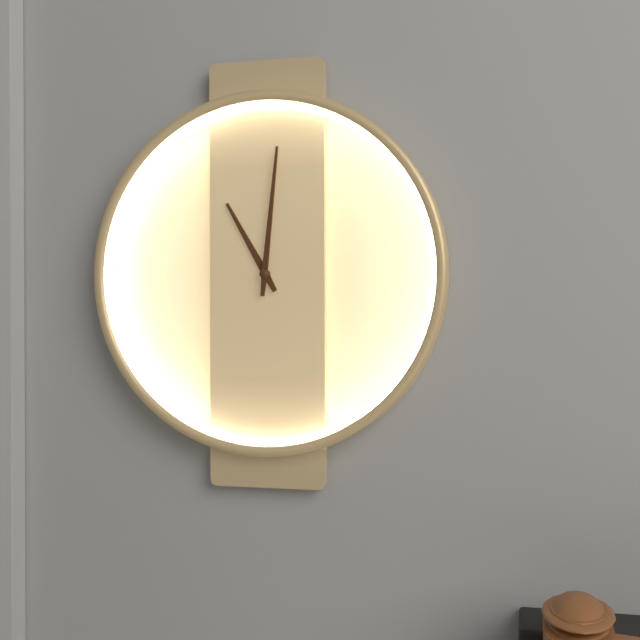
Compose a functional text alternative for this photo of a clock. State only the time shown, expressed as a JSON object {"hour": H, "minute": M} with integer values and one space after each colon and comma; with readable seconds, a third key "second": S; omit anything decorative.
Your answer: {"hour": 11, "minute": 1}
